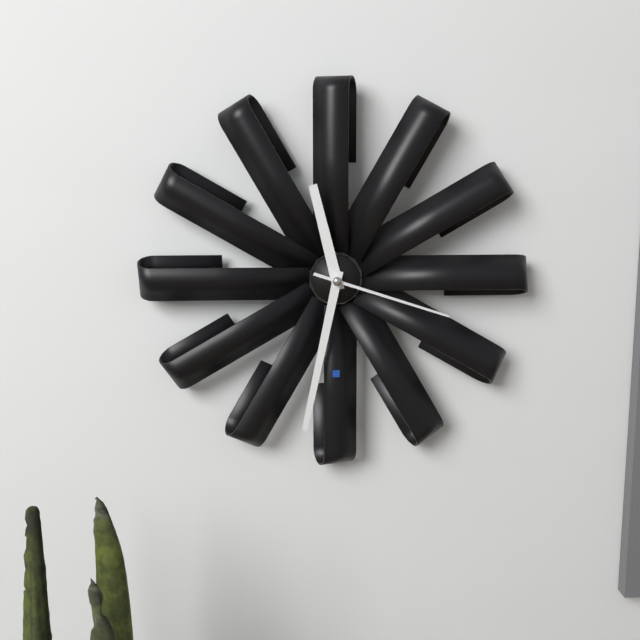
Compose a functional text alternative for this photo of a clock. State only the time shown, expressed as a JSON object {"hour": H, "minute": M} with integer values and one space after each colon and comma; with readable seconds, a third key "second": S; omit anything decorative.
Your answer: {"hour": 11, "minute": 32, "second": 18}
